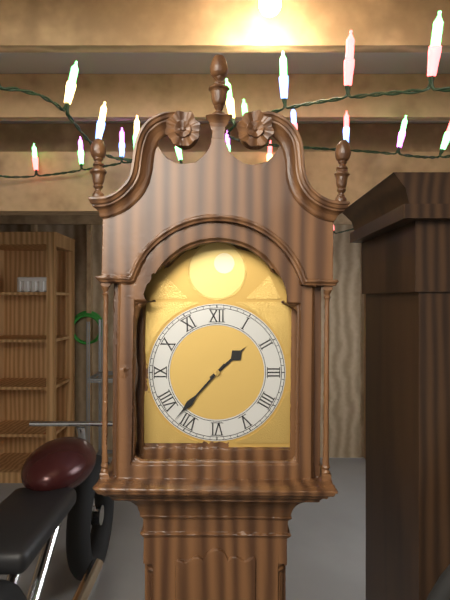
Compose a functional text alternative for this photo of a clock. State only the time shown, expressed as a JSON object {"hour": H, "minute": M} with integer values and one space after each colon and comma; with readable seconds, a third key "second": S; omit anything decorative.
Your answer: {"hour": 1, "minute": 37}
